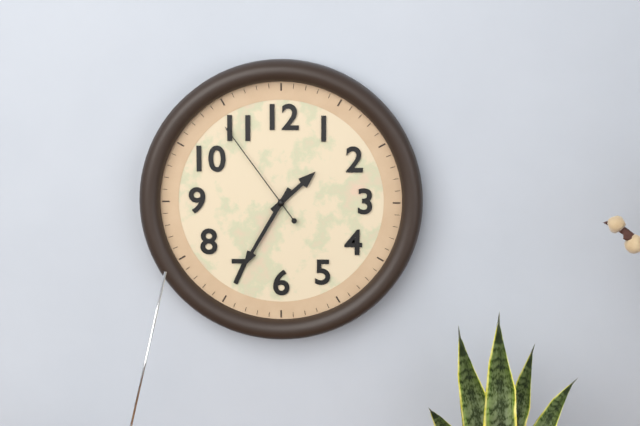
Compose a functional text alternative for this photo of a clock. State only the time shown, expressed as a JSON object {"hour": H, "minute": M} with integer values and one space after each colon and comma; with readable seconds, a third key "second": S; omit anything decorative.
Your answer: {"hour": 1, "minute": 35, "second": 54}
